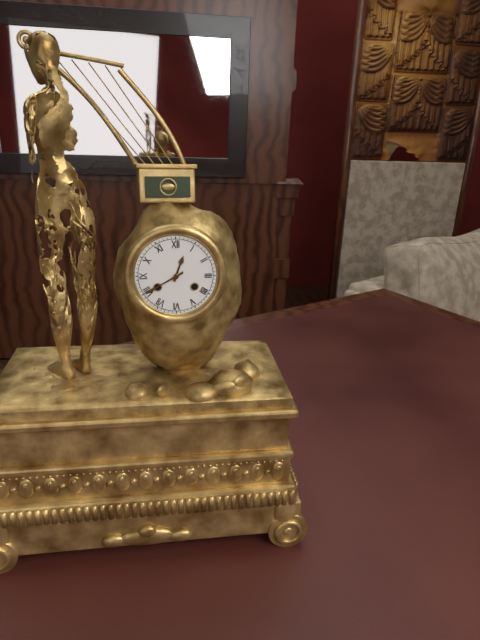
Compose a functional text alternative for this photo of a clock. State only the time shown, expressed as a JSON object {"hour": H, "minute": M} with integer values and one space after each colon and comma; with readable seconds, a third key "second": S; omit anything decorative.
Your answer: {"hour": 12, "minute": 40}
